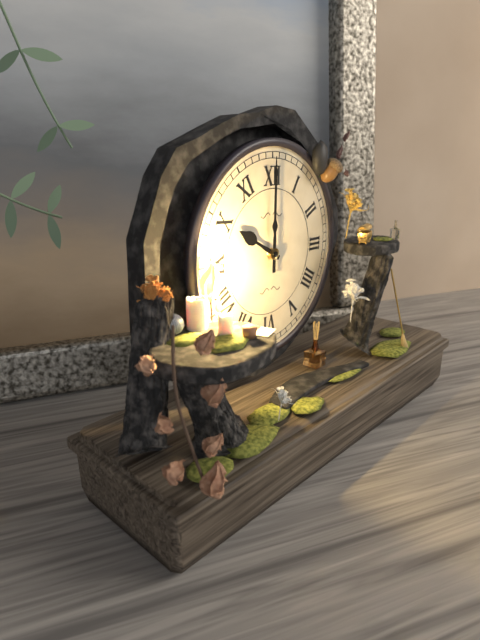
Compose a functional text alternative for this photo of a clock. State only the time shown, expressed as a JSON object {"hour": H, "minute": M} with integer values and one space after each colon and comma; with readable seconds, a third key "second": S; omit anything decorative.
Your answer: {"hour": 10, "minute": 0}
